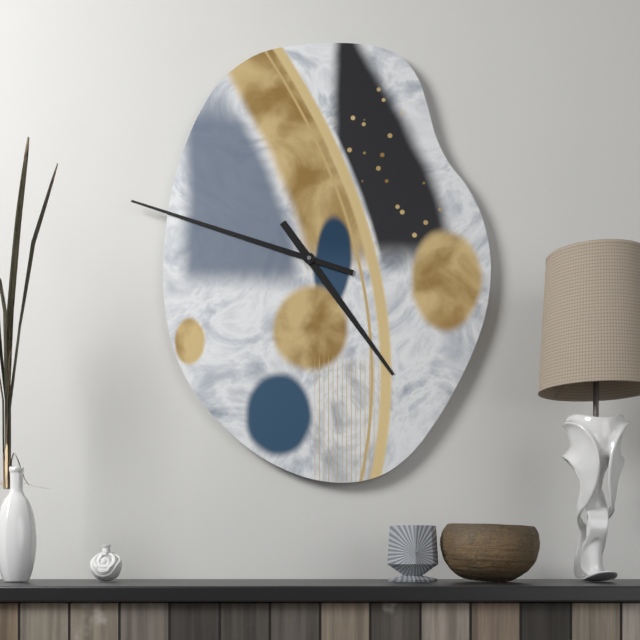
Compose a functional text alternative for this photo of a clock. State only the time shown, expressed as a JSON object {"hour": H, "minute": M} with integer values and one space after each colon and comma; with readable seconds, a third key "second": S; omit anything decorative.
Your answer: {"hour": 4, "minute": 48}
